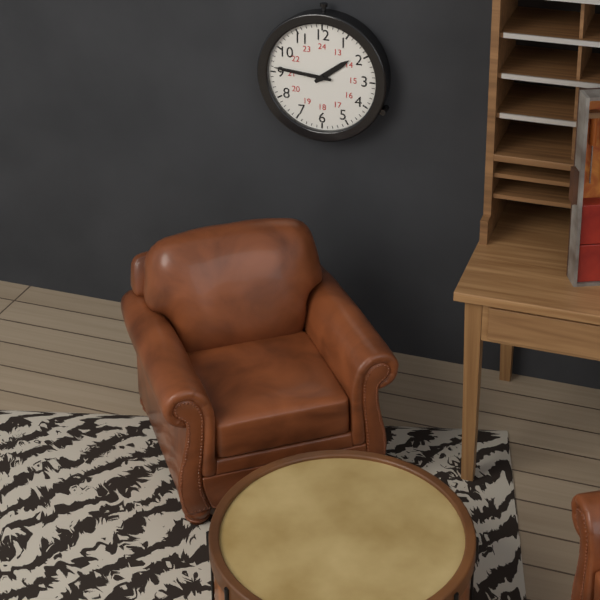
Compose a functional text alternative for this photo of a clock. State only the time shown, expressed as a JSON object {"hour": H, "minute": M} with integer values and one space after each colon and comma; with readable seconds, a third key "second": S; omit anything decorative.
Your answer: {"hour": 1, "minute": 46}
